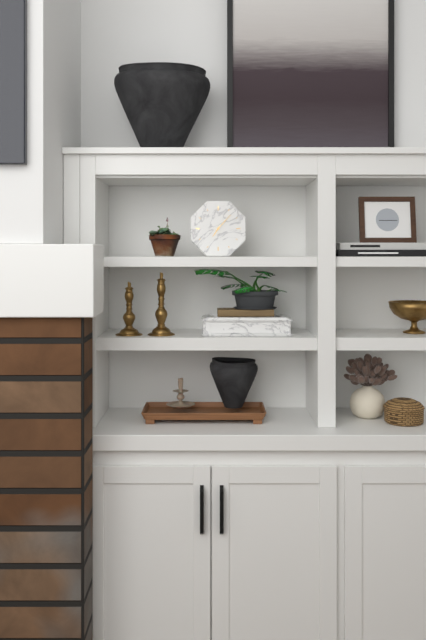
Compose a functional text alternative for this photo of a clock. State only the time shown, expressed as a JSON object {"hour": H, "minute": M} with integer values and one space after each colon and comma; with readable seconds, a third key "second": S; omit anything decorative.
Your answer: {"hour": 7, "minute": 7}
